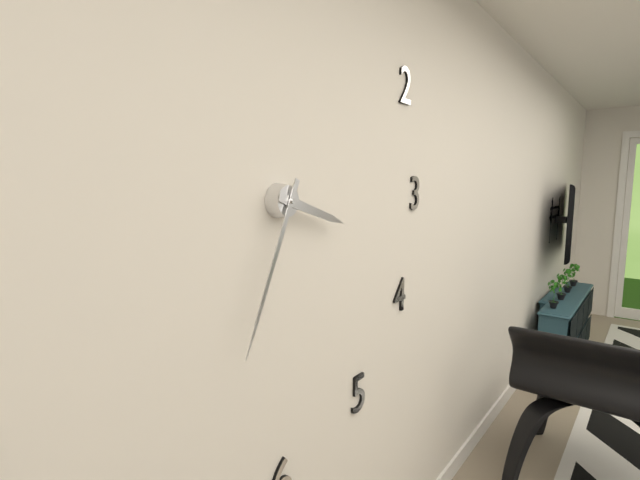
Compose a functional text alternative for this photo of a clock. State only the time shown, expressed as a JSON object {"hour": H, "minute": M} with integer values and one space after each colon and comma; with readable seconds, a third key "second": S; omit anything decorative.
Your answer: {"hour": 3, "minute": 34}
